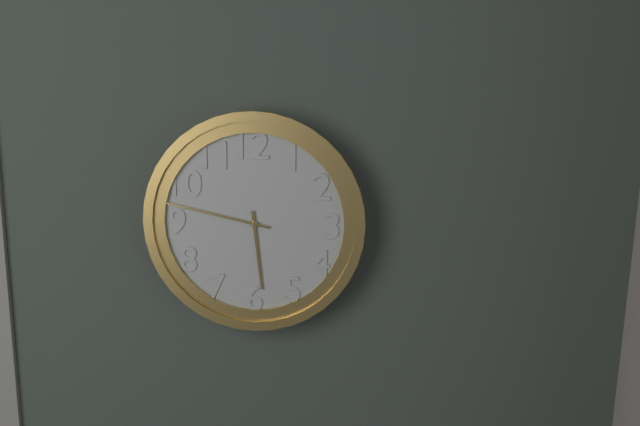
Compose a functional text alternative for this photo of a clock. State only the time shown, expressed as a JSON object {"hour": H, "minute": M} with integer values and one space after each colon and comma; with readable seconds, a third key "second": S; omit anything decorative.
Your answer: {"hour": 5, "minute": 47}
